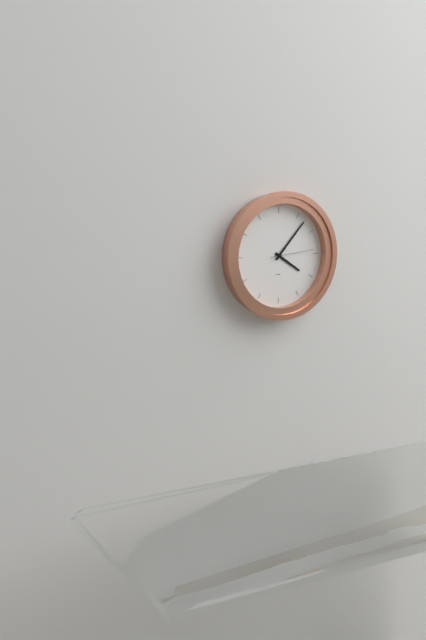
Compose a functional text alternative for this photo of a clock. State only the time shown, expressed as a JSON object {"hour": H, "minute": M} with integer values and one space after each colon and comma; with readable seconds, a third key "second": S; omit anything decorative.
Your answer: {"hour": 4, "minute": 7}
